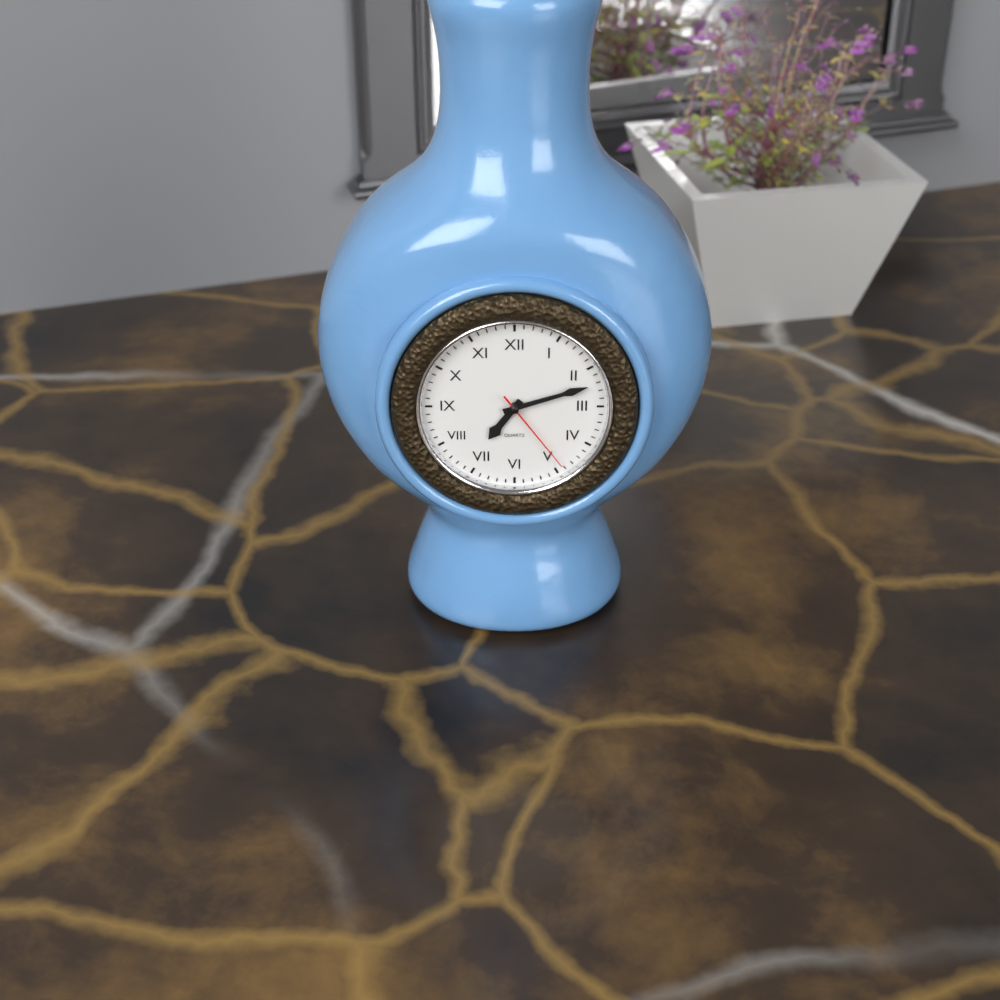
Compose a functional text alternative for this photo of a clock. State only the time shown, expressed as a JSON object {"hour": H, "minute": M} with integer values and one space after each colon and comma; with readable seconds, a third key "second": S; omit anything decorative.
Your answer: {"hour": 7, "minute": 12, "second": 24}
